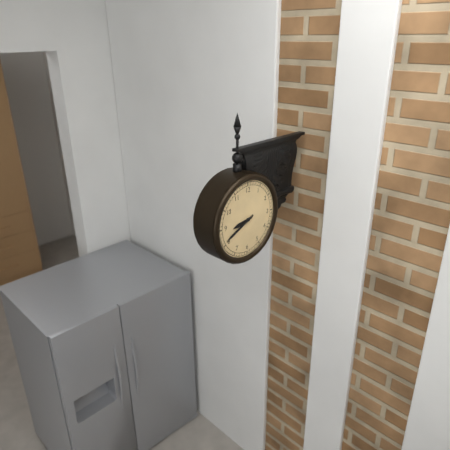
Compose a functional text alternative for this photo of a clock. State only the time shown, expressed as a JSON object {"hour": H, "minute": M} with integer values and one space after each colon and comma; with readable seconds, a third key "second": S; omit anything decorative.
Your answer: {"hour": 8, "minute": 41}
